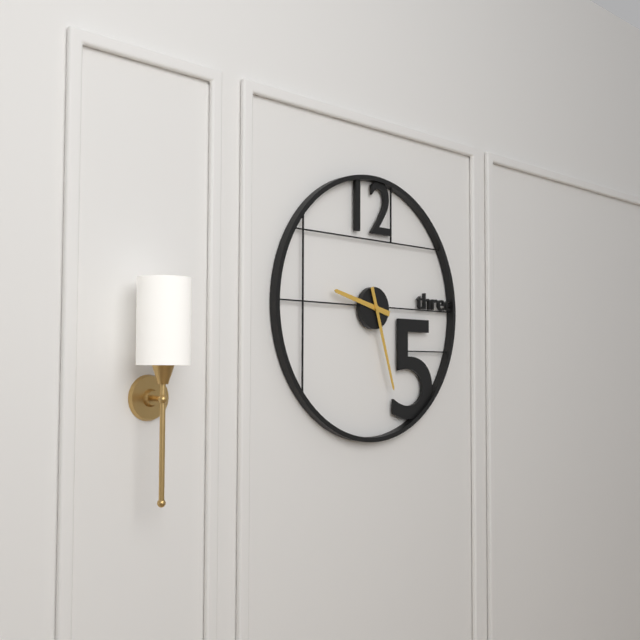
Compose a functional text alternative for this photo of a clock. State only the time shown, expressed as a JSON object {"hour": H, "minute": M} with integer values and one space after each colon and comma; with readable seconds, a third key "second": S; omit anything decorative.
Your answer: {"hour": 9, "minute": 27}
